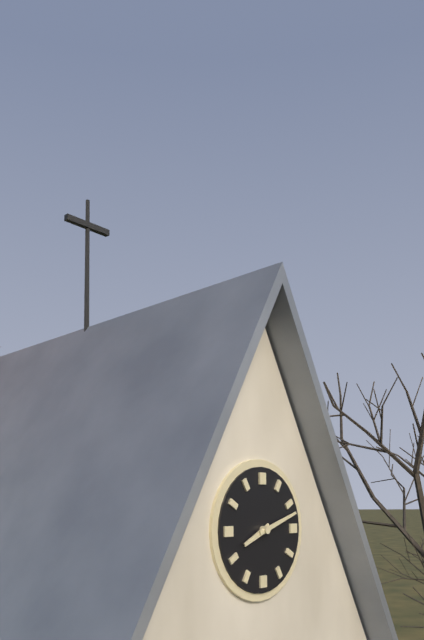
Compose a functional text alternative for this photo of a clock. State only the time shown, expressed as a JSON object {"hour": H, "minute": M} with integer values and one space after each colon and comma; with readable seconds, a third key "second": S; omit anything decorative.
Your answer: {"hour": 8, "minute": 12}
